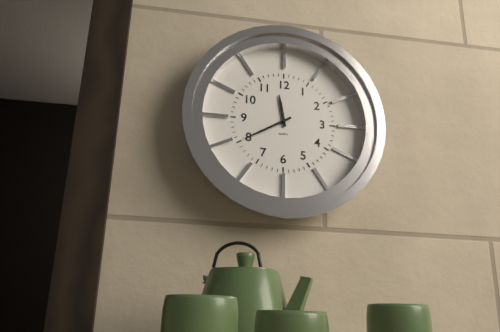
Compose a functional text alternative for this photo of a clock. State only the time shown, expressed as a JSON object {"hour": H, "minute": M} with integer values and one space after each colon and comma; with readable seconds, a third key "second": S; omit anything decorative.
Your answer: {"hour": 11, "minute": 40}
